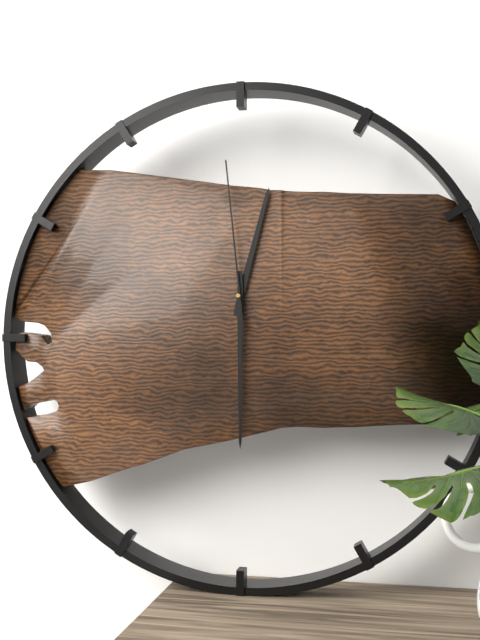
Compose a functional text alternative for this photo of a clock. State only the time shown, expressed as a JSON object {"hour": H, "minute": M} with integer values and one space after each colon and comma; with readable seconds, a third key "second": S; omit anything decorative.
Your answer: {"hour": 12, "minute": 30, "second": 59}
